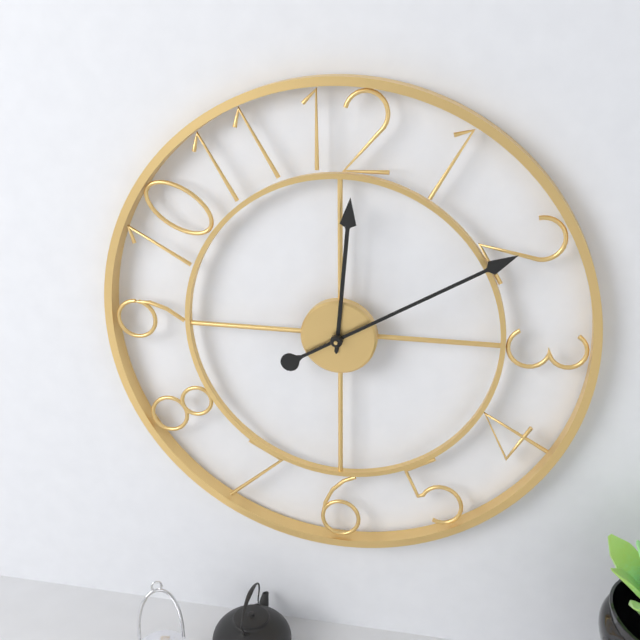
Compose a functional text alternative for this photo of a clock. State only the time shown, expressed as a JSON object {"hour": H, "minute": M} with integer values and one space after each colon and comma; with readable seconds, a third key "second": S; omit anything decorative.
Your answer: {"hour": 12, "minute": 10}
